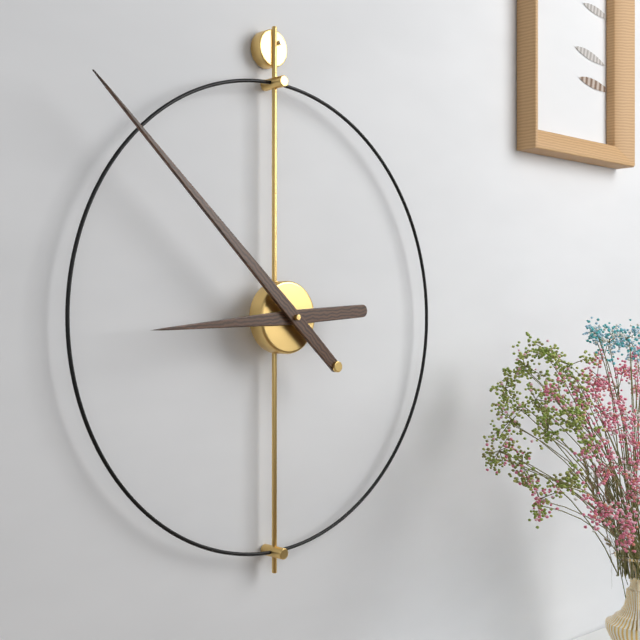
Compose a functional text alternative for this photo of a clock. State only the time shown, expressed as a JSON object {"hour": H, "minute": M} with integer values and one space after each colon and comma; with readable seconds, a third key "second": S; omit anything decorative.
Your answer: {"hour": 8, "minute": 52}
